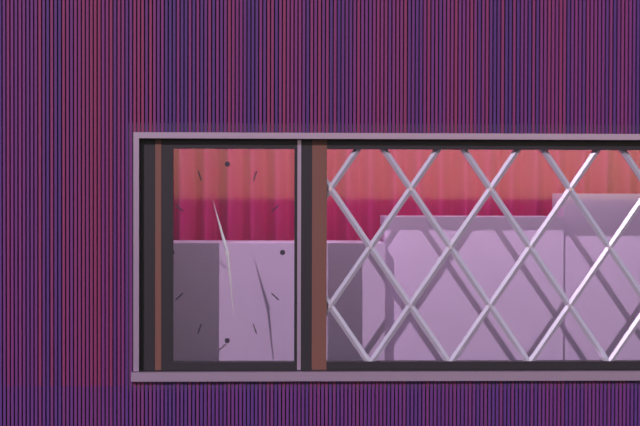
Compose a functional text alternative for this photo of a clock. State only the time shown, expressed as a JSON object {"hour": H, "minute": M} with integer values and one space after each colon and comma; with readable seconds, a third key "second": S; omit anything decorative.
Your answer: {"hour": 11, "minute": 29}
